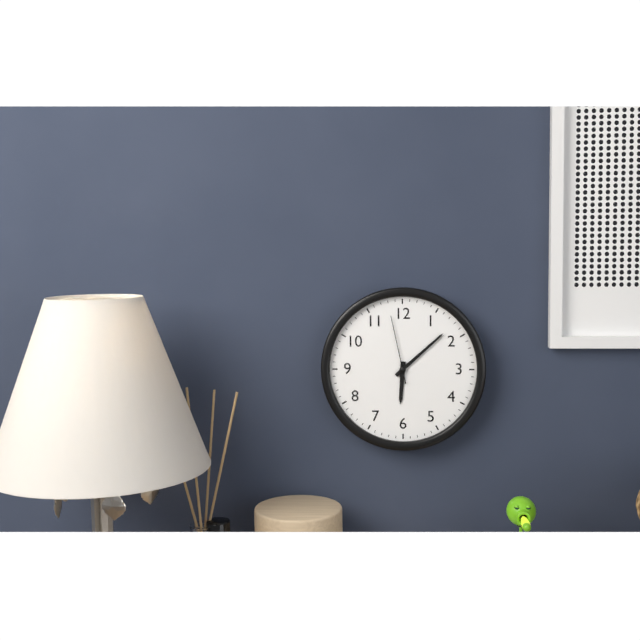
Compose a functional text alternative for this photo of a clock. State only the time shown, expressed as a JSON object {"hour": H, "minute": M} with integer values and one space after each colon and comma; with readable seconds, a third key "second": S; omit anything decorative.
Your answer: {"hour": 6, "minute": 8, "second": 58}
